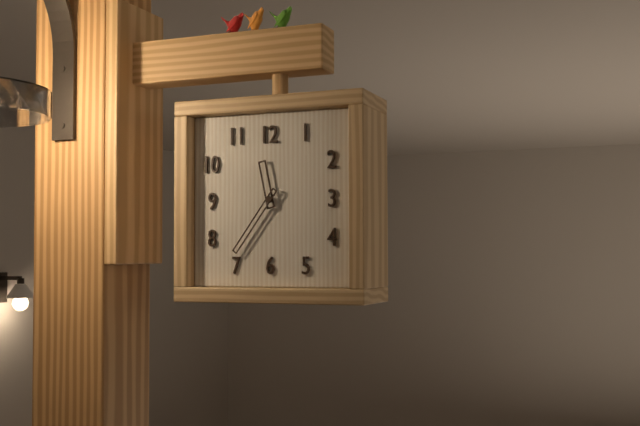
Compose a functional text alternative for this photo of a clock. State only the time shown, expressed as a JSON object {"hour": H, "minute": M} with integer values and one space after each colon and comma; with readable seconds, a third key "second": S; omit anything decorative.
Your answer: {"hour": 11, "minute": 36}
